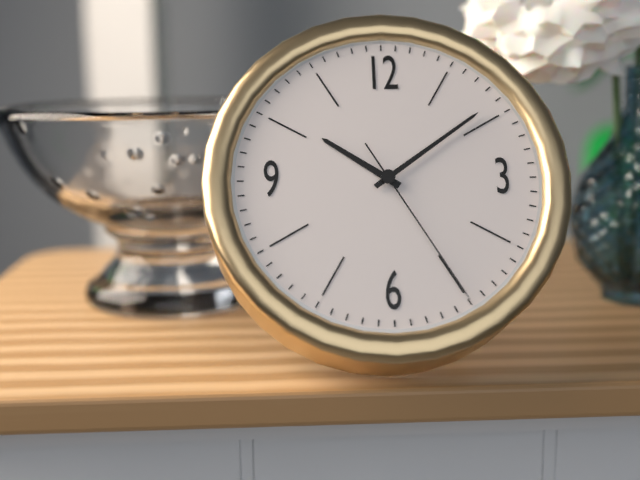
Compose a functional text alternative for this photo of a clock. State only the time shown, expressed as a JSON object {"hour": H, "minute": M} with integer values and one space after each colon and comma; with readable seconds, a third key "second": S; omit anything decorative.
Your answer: {"hour": 10, "minute": 9, "second": 25}
